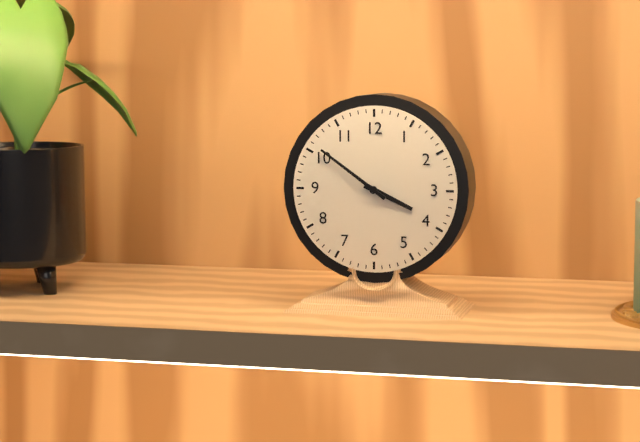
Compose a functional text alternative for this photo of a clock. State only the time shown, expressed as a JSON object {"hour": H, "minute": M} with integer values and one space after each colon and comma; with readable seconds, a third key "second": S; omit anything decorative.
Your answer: {"hour": 3, "minute": 51}
